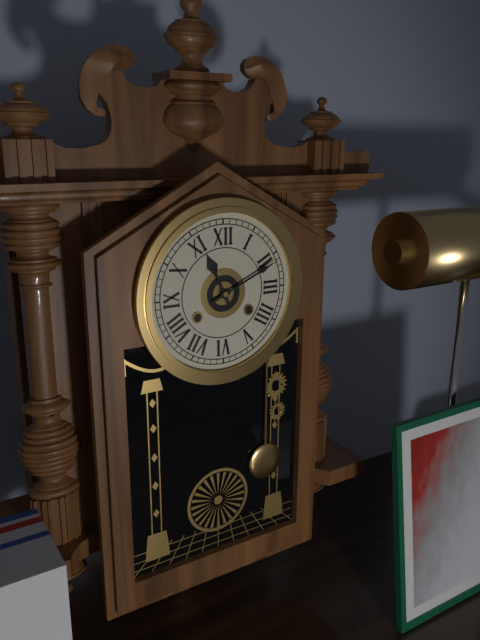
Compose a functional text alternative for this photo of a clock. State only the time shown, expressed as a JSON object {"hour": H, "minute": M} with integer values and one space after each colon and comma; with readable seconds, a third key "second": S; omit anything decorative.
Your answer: {"hour": 11, "minute": 11}
